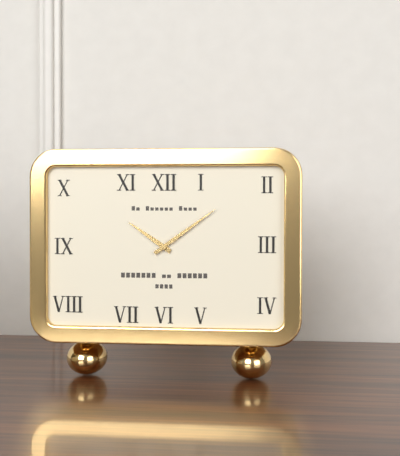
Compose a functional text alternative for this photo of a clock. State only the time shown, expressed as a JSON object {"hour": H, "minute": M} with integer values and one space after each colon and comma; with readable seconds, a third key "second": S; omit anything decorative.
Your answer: {"hour": 10, "minute": 9}
